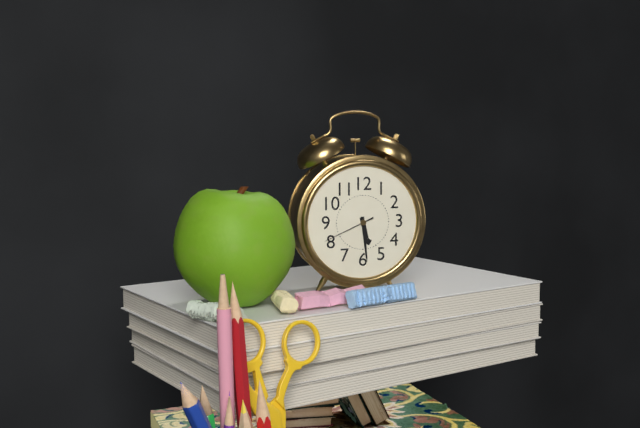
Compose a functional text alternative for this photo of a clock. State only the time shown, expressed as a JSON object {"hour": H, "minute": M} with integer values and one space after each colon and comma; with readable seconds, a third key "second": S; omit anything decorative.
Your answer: {"hour": 5, "minute": 29, "second": 41}
